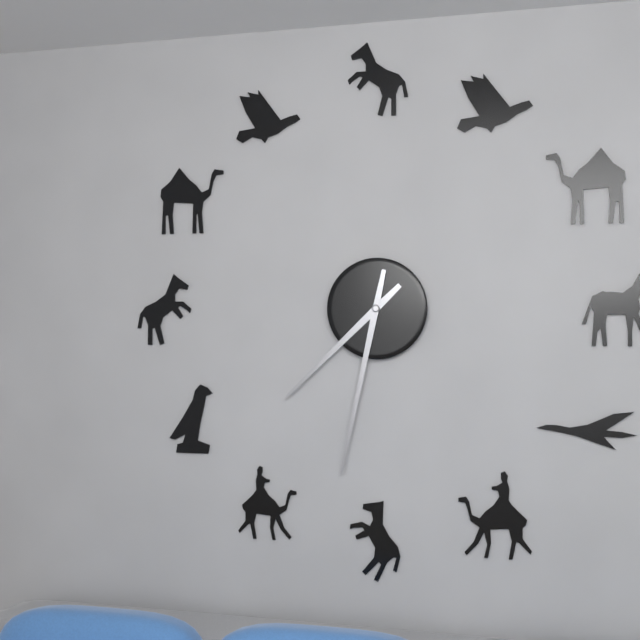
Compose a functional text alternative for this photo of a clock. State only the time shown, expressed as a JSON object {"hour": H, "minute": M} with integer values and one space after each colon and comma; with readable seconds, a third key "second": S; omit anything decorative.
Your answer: {"hour": 7, "minute": 32}
